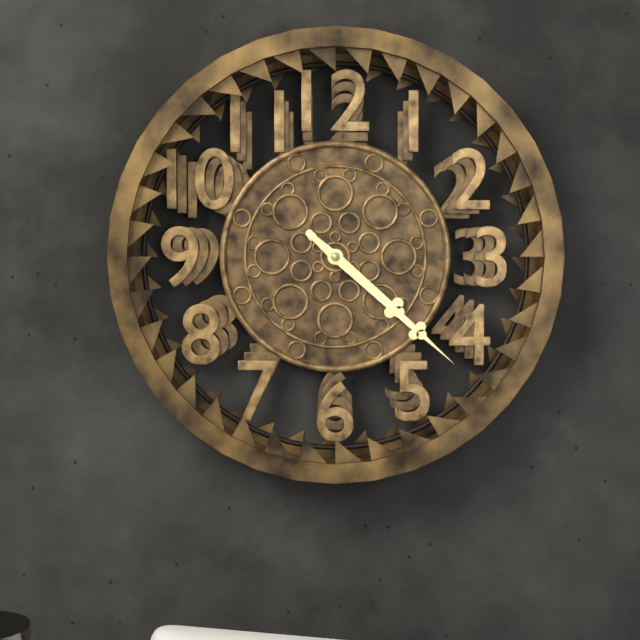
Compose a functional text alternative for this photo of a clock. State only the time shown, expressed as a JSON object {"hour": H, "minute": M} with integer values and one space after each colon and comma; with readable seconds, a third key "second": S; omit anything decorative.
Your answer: {"hour": 4, "minute": 22}
